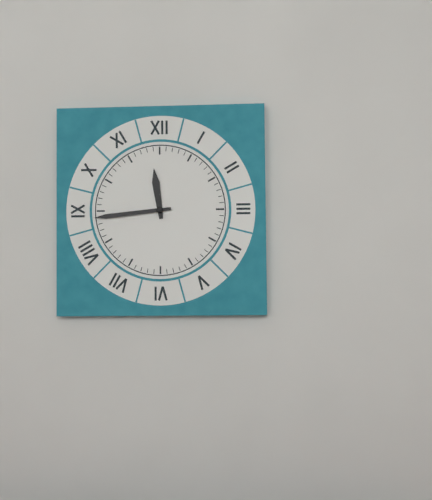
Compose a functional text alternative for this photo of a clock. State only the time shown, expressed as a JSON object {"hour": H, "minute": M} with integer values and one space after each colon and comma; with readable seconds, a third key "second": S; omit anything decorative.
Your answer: {"hour": 11, "minute": 44}
